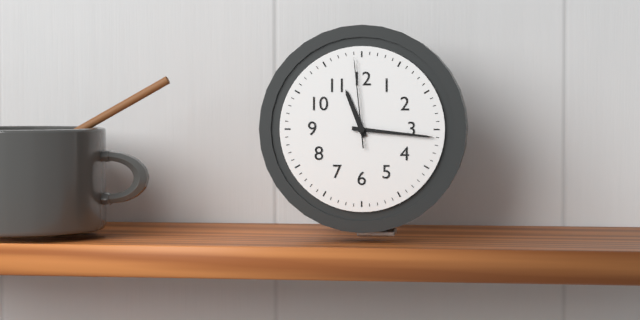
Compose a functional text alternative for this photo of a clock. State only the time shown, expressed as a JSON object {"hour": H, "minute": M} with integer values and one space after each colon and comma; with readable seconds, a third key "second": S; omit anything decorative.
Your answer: {"hour": 11, "minute": 16, "second": 59}
